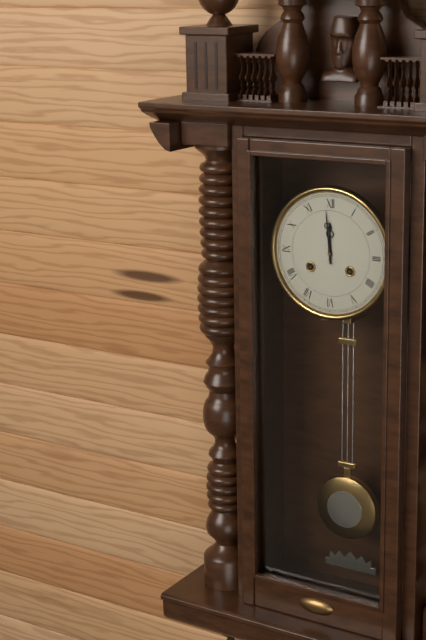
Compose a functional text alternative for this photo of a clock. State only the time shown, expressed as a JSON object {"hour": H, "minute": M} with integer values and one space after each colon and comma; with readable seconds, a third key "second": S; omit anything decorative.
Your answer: {"hour": 11, "minute": 59}
